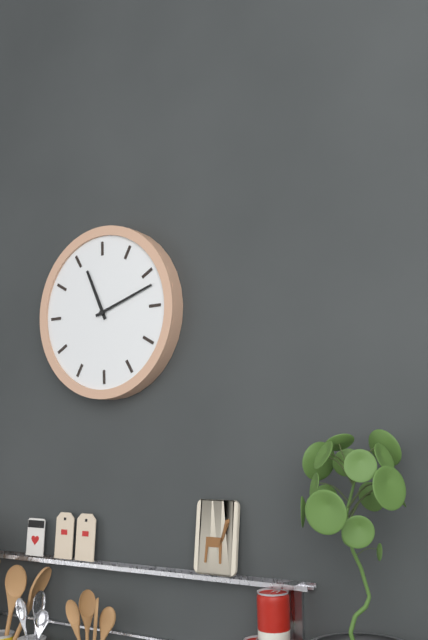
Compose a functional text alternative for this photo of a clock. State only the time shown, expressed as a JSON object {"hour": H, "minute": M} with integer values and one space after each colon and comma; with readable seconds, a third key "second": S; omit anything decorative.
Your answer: {"hour": 11, "minute": 12}
